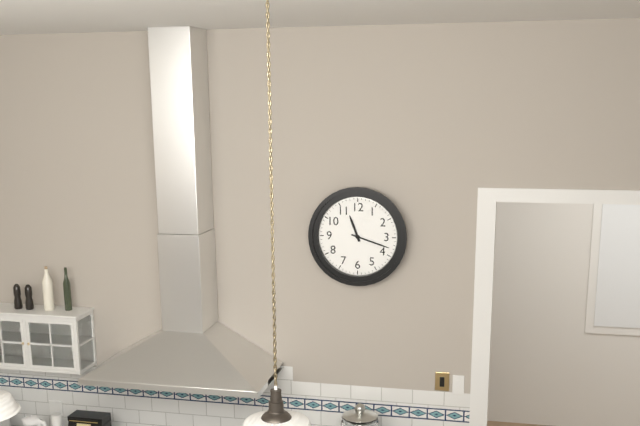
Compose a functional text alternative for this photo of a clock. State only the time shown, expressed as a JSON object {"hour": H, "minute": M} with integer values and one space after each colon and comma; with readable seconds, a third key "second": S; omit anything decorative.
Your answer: {"hour": 11, "minute": 18}
